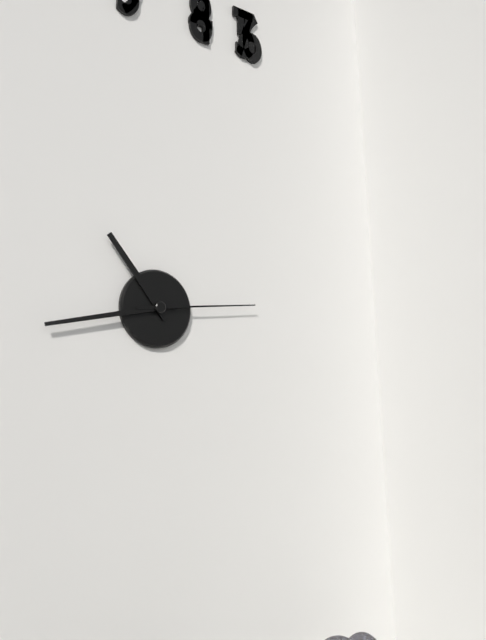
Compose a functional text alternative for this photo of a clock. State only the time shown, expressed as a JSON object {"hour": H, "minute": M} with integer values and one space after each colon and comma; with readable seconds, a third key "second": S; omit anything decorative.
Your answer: {"hour": 10, "minute": 43, "second": 14}
